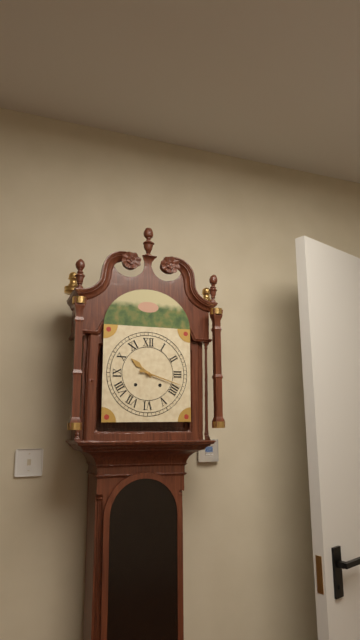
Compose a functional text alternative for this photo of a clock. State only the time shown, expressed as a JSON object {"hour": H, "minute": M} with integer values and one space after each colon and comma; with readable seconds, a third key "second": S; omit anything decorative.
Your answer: {"hour": 10, "minute": 18}
